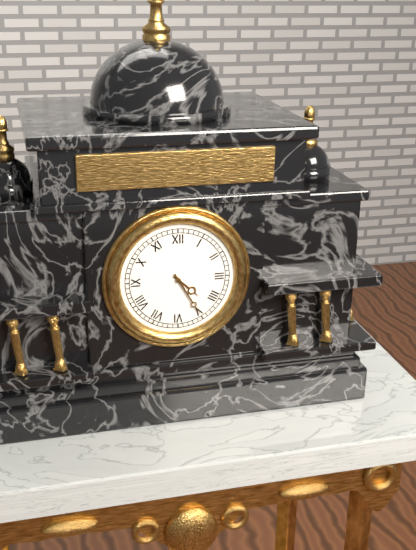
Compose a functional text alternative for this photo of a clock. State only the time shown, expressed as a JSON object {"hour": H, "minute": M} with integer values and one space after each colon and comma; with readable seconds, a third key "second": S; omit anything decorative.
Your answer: {"hour": 4, "minute": 25}
